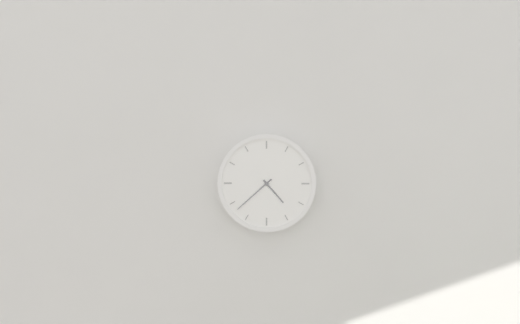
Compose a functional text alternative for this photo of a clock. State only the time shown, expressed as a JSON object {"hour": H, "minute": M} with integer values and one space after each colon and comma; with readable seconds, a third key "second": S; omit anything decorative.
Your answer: {"hour": 4, "minute": 38}
